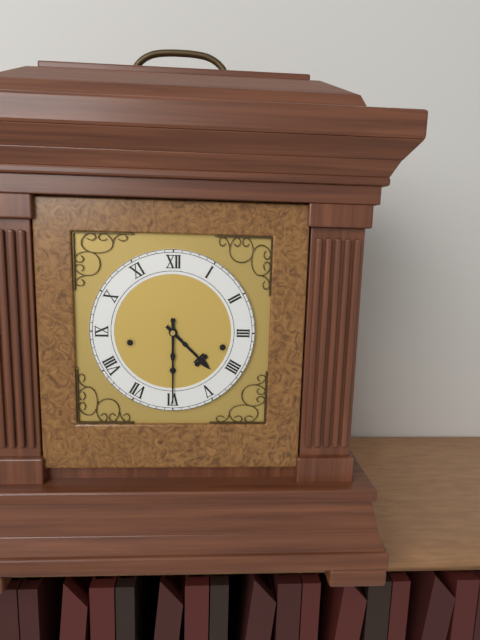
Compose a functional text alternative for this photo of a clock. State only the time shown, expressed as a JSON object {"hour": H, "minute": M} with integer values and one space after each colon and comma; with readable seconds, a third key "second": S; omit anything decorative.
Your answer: {"hour": 4, "minute": 30}
